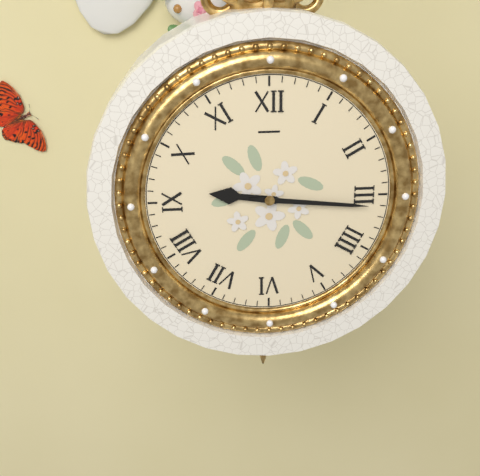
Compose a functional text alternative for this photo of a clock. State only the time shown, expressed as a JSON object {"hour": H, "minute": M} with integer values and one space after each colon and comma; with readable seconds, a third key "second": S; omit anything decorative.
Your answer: {"hour": 9, "minute": 16}
